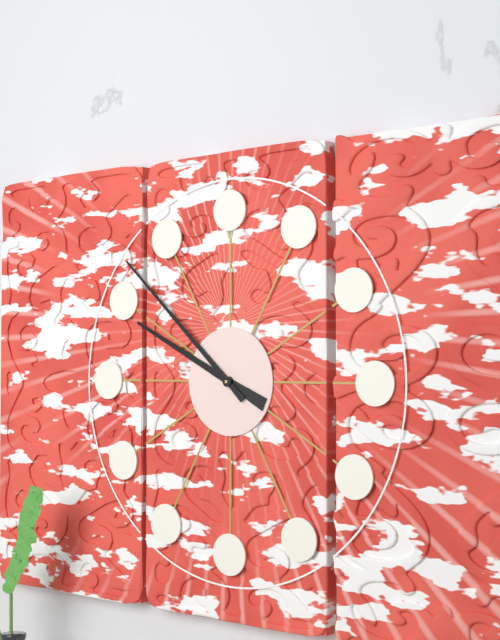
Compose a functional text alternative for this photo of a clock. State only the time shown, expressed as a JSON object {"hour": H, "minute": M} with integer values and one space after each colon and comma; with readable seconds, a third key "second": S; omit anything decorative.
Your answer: {"hour": 9, "minute": 52}
